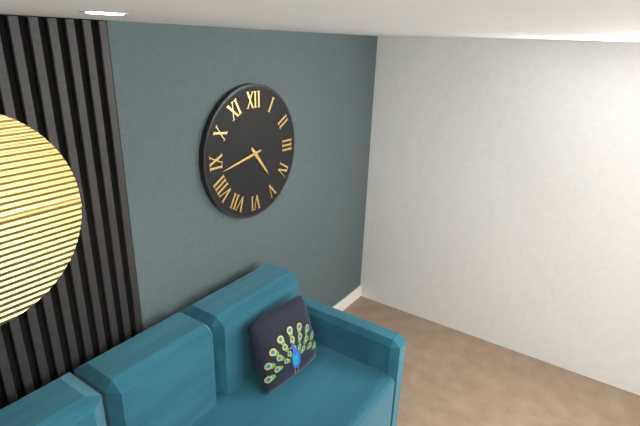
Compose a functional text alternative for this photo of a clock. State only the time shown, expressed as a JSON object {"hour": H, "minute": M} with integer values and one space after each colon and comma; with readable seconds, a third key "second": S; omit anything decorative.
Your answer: {"hour": 4, "minute": 43}
